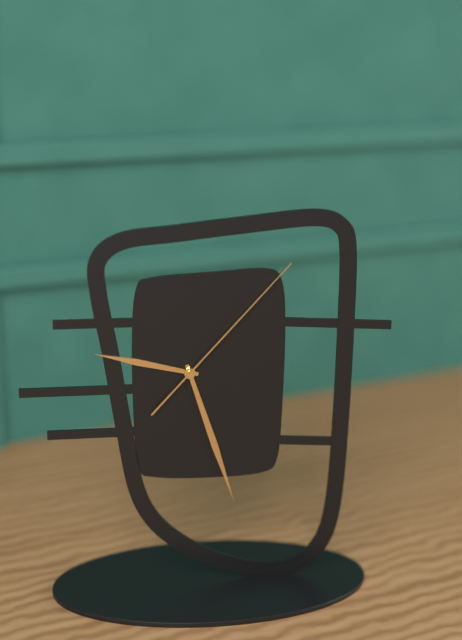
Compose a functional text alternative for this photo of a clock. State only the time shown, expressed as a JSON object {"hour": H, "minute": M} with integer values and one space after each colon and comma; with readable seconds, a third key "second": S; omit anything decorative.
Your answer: {"hour": 9, "minute": 27, "second": 7}
